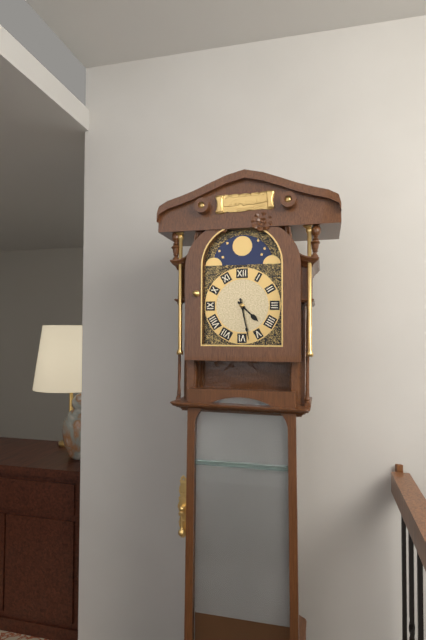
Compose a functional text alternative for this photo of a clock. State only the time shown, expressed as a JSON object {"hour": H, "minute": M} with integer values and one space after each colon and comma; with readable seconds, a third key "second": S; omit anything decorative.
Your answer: {"hour": 4, "minute": 28}
